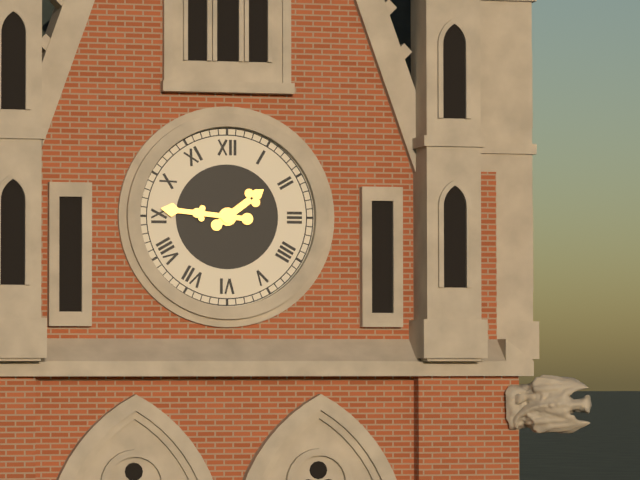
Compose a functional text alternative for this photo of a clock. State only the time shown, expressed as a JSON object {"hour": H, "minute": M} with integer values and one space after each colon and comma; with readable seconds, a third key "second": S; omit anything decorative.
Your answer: {"hour": 1, "minute": 46}
